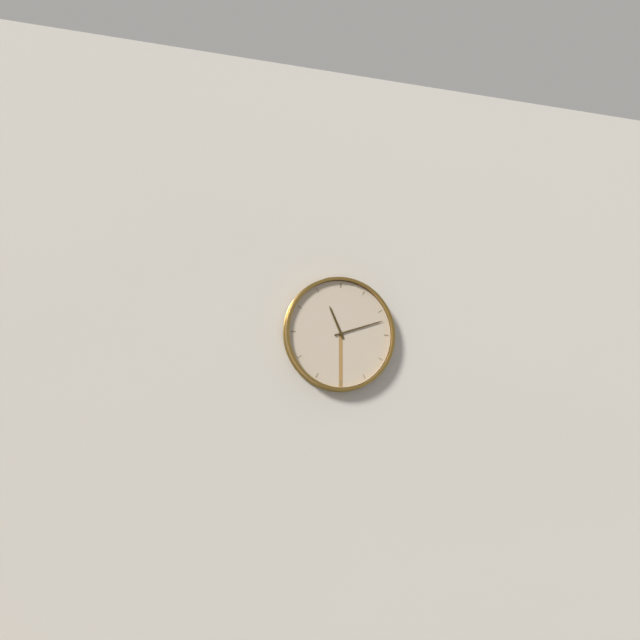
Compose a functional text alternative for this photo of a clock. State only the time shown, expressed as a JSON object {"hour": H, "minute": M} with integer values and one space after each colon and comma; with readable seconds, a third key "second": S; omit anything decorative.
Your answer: {"hour": 11, "minute": 12}
